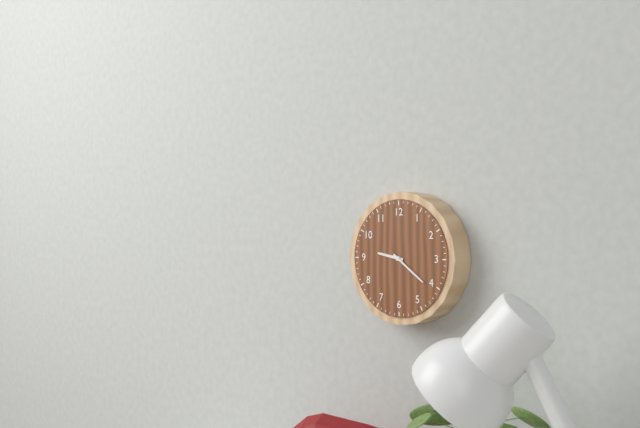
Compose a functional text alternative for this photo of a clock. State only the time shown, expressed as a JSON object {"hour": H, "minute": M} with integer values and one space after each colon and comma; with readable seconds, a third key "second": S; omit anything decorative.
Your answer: {"hour": 9, "minute": 21}
